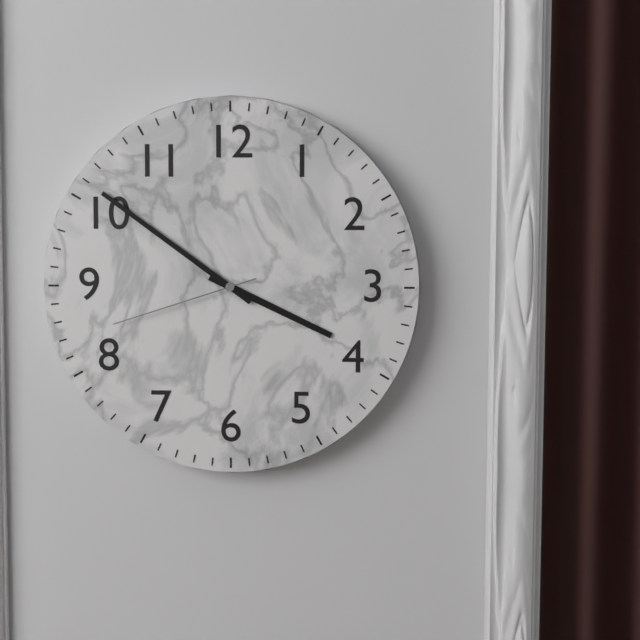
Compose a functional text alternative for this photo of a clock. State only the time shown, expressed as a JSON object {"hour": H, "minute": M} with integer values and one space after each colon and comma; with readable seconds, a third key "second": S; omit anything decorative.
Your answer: {"hour": 3, "minute": 51, "second": 42}
